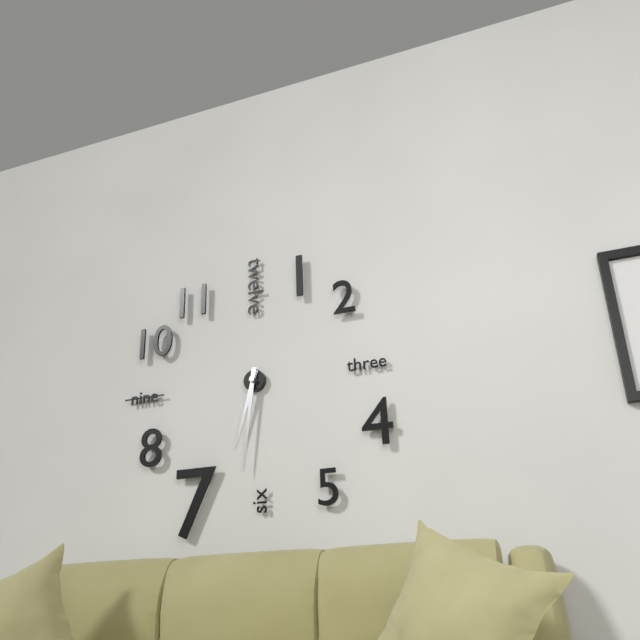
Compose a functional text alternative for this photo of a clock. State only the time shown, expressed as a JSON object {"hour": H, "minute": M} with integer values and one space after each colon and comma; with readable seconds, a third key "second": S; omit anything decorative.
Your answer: {"hour": 6, "minute": 31}
